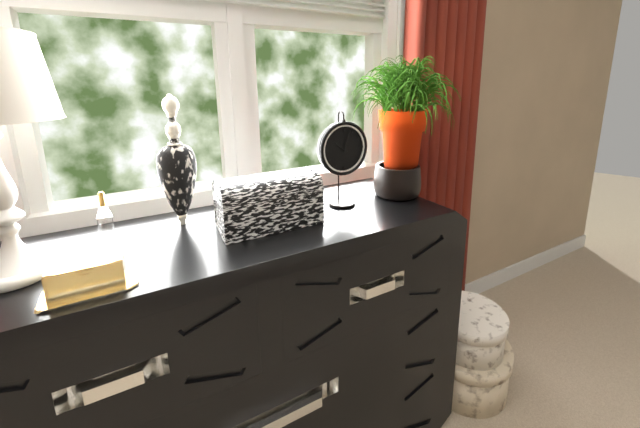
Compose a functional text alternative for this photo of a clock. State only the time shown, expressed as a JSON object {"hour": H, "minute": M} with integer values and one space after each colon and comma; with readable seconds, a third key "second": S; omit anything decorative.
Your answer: {"hour": 10, "minute": 3}
